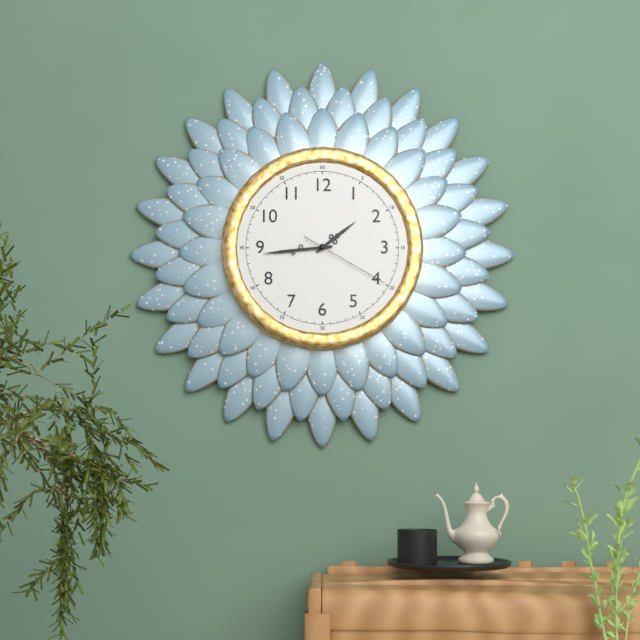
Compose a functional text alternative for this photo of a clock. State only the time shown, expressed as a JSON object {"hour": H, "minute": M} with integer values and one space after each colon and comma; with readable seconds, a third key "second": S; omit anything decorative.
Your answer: {"hour": 1, "minute": 44, "second": 20}
